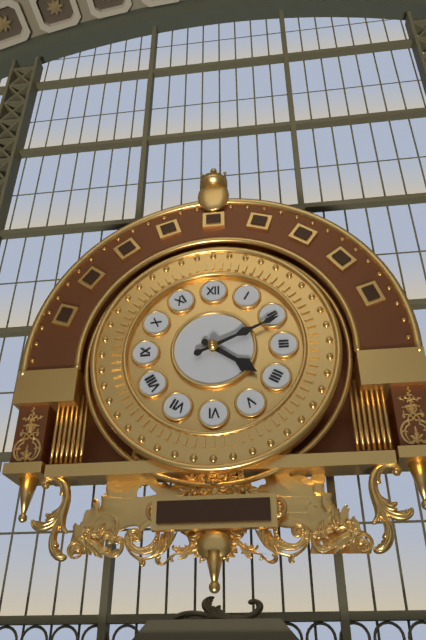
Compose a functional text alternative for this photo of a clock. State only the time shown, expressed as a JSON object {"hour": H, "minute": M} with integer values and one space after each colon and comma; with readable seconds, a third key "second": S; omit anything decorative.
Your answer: {"hour": 4, "minute": 11}
